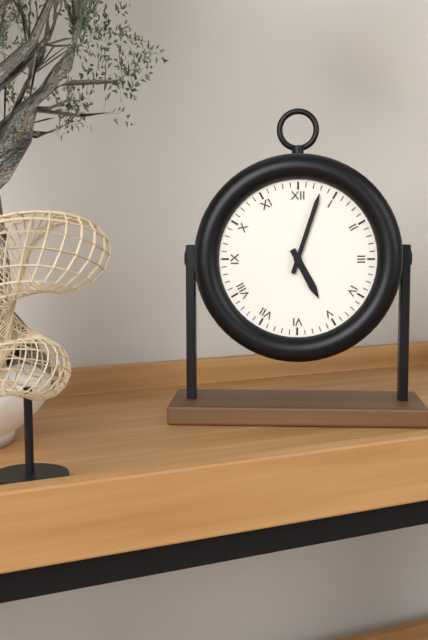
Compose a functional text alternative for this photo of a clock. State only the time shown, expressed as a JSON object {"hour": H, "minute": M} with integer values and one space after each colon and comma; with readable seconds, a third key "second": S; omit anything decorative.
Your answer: {"hour": 5, "minute": 3}
